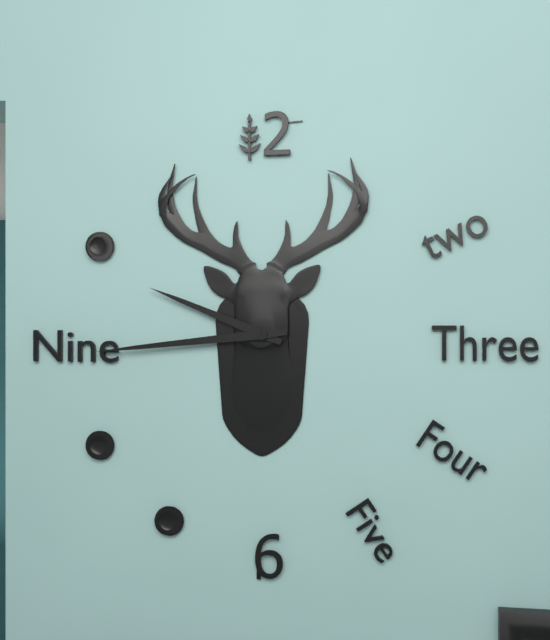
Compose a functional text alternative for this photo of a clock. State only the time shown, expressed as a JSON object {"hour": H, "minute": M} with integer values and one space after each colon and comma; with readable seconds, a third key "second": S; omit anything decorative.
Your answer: {"hour": 9, "minute": 44}
